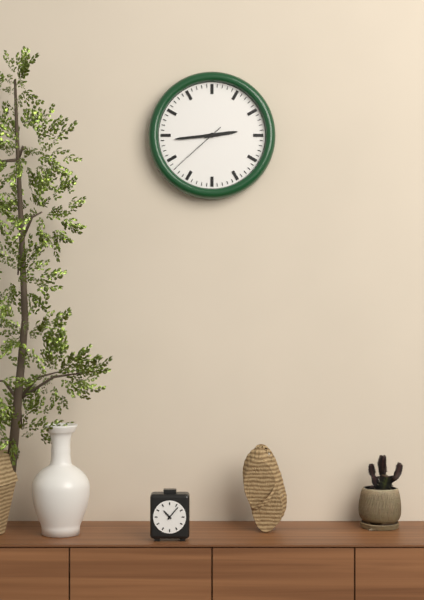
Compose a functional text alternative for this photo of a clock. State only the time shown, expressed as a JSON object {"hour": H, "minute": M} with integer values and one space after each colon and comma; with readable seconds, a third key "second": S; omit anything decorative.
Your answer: {"hour": 2, "minute": 44, "second": 38}
